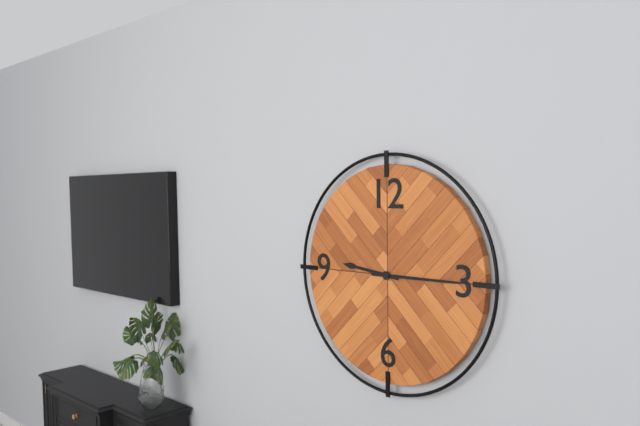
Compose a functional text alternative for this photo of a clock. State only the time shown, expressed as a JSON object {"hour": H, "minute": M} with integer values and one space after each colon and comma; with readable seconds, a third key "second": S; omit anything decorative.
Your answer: {"hour": 9, "minute": 15}
